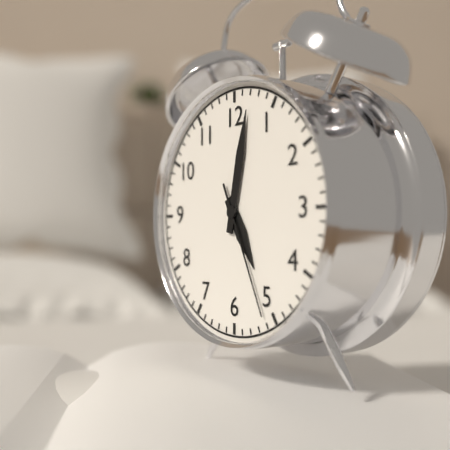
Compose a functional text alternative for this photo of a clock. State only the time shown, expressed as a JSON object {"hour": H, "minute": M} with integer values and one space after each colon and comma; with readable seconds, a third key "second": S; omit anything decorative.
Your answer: {"hour": 5, "minute": 2, "second": 26}
